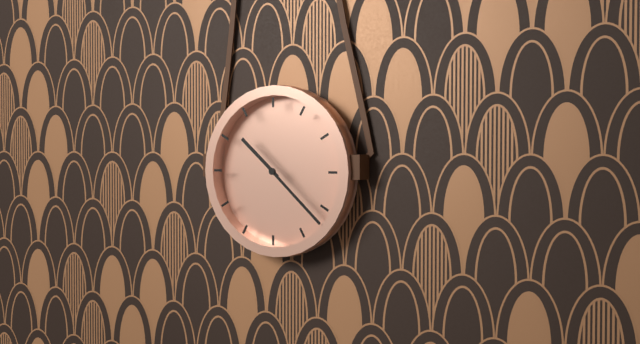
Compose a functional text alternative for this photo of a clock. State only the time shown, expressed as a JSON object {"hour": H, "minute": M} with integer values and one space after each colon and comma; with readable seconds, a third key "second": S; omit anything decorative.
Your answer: {"hour": 10, "minute": 22}
